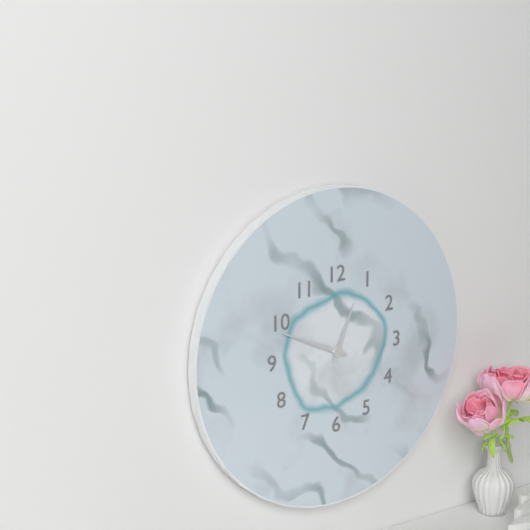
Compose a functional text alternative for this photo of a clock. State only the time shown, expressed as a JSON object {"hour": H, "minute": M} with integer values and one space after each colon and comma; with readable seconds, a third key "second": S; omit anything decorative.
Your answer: {"hour": 12, "minute": 49}
